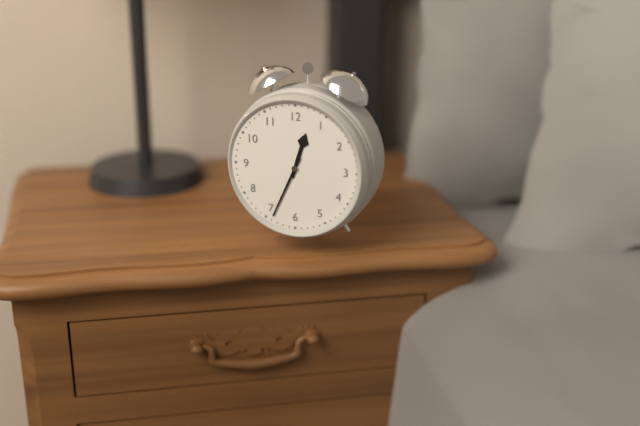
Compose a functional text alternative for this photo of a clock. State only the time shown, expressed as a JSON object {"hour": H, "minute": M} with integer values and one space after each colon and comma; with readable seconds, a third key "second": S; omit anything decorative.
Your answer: {"hour": 12, "minute": 34}
